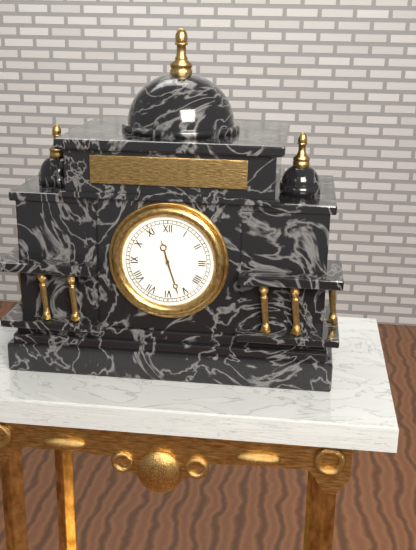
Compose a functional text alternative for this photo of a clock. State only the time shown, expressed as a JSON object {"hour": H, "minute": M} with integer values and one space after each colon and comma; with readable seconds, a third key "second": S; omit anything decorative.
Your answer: {"hour": 11, "minute": 27}
